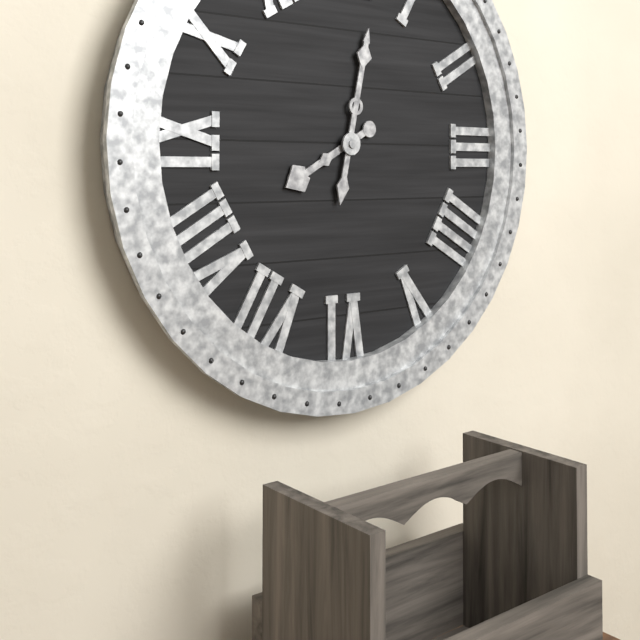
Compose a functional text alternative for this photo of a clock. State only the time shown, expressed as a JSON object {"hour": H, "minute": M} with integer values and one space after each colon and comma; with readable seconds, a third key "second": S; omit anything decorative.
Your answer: {"hour": 8, "minute": 2}
